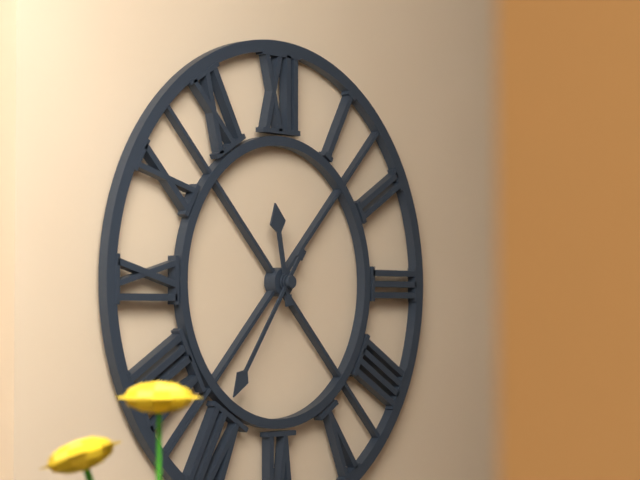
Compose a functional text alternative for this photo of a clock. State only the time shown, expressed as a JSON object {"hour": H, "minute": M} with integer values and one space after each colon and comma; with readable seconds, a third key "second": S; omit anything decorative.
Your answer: {"hour": 11, "minute": 36}
